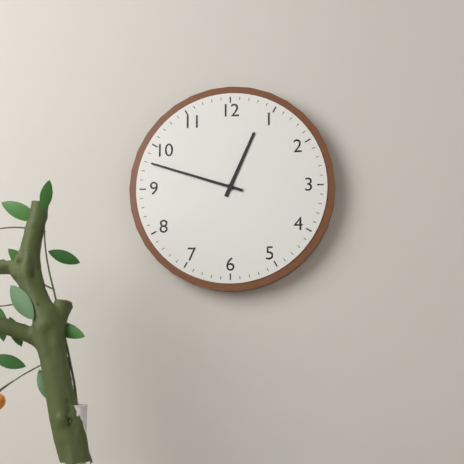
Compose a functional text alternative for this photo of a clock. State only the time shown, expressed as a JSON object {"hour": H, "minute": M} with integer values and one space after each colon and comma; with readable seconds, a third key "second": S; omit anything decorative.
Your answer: {"hour": 12, "minute": 48}
